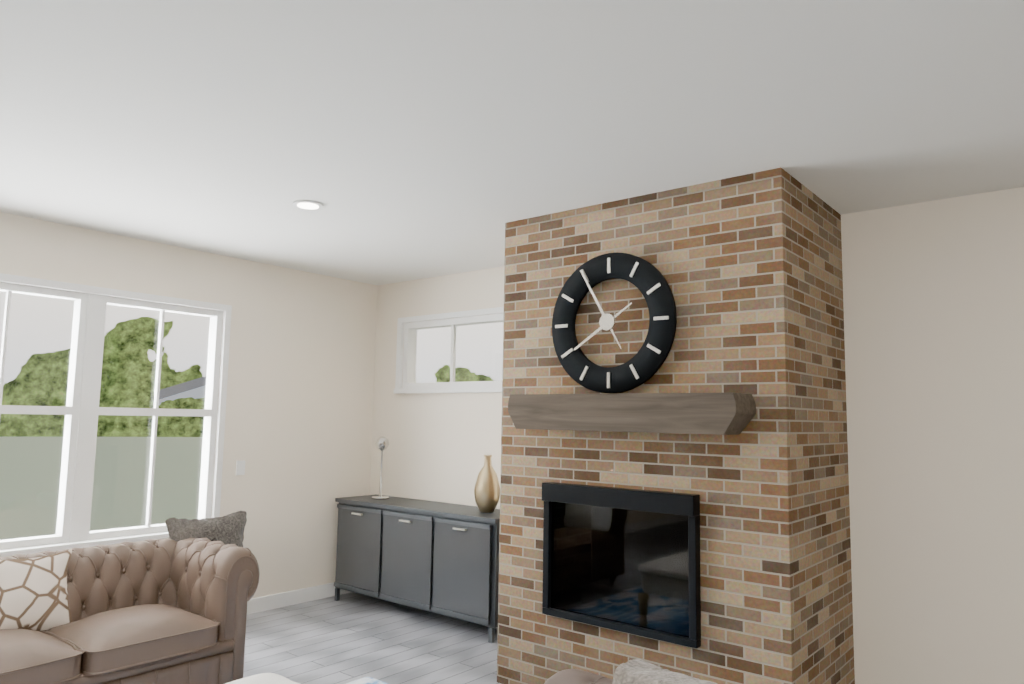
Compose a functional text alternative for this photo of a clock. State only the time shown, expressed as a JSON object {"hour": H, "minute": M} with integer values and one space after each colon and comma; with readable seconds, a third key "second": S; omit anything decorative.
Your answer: {"hour": 7, "minute": 55}
